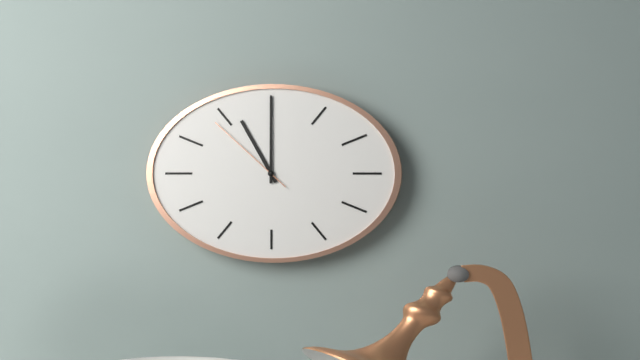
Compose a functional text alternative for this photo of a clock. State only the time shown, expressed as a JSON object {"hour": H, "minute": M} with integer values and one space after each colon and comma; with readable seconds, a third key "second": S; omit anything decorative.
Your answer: {"hour": 11, "minute": 0, "second": 52}
